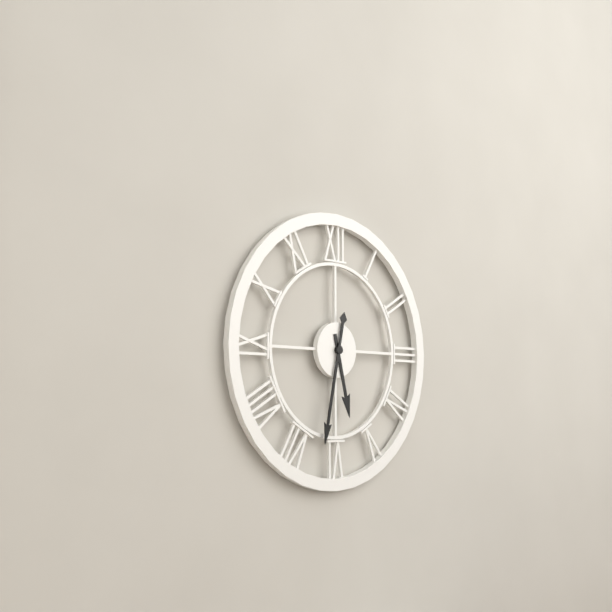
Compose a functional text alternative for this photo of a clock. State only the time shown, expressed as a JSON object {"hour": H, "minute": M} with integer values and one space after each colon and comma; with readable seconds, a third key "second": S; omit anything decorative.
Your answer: {"hour": 5, "minute": 32}
